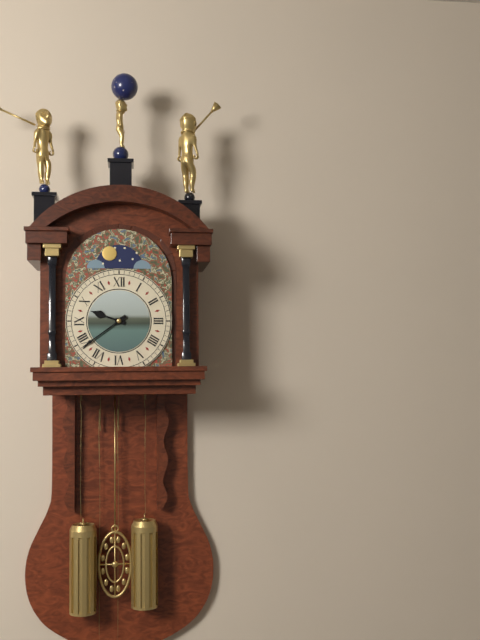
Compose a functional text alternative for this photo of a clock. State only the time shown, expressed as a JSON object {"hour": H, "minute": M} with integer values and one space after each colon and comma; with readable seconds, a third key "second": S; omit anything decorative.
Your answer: {"hour": 9, "minute": 39}
